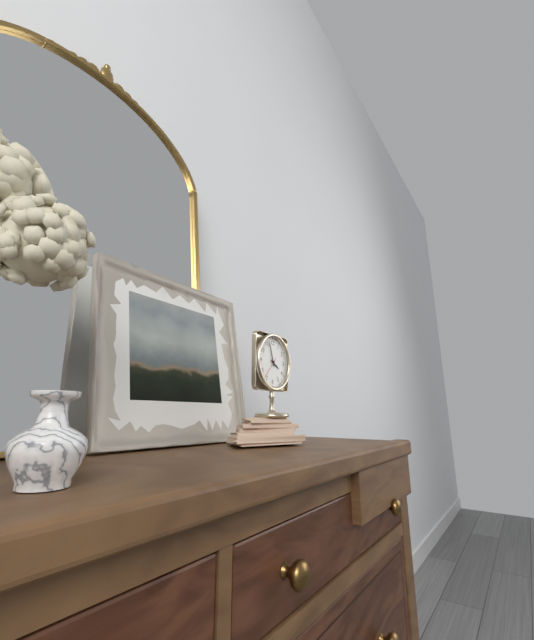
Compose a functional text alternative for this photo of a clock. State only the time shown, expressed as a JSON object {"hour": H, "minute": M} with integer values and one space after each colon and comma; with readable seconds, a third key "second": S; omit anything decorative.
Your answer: {"hour": 3, "minute": 57}
